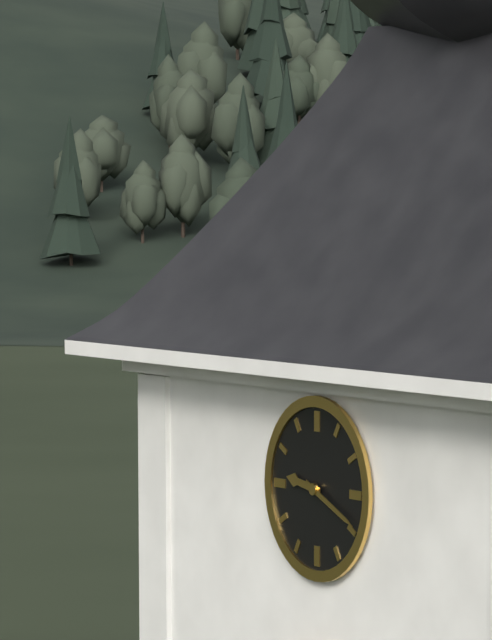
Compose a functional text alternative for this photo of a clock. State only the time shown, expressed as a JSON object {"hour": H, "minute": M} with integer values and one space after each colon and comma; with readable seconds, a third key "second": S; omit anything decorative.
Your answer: {"hour": 9, "minute": 19}
